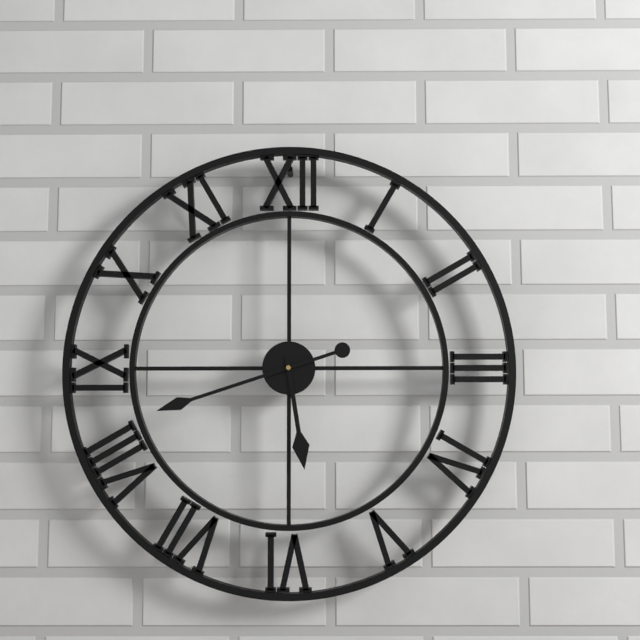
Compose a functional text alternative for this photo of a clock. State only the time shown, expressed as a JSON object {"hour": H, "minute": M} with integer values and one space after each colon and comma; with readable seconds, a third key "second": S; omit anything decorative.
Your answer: {"hour": 5, "minute": 42}
